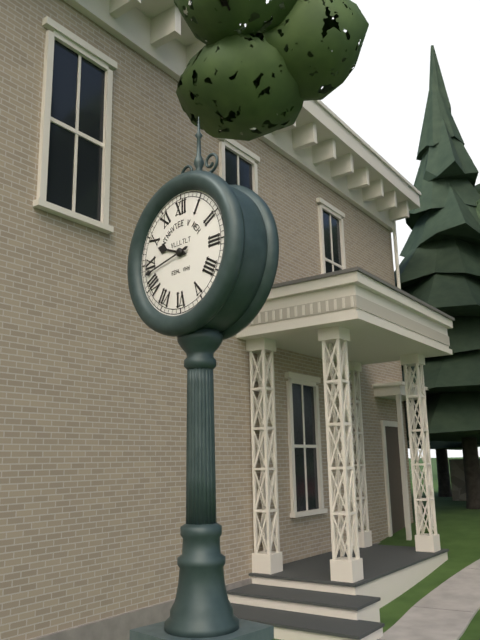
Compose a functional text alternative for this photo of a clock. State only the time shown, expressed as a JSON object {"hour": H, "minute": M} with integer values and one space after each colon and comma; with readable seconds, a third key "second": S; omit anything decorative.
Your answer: {"hour": 9, "minute": 43}
